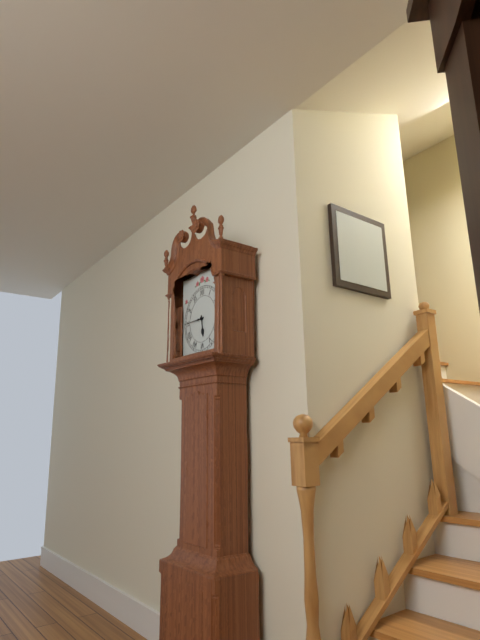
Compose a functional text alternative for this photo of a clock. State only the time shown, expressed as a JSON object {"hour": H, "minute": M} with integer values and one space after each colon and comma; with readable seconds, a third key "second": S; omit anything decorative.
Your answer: {"hour": 5, "minute": 45}
